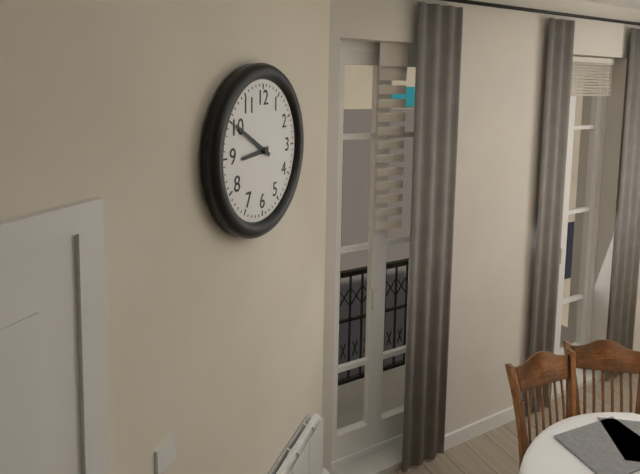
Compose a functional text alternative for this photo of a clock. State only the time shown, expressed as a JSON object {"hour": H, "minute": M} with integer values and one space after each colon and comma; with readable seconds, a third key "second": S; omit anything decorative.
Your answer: {"hour": 8, "minute": 50}
